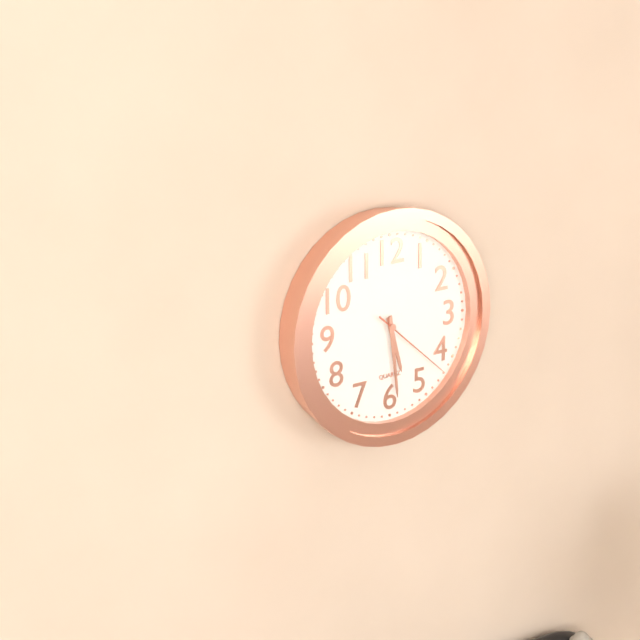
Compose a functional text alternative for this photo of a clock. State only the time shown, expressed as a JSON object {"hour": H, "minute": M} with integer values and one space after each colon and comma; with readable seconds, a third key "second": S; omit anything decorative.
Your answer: {"hour": 5, "minute": 29, "second": 22}
